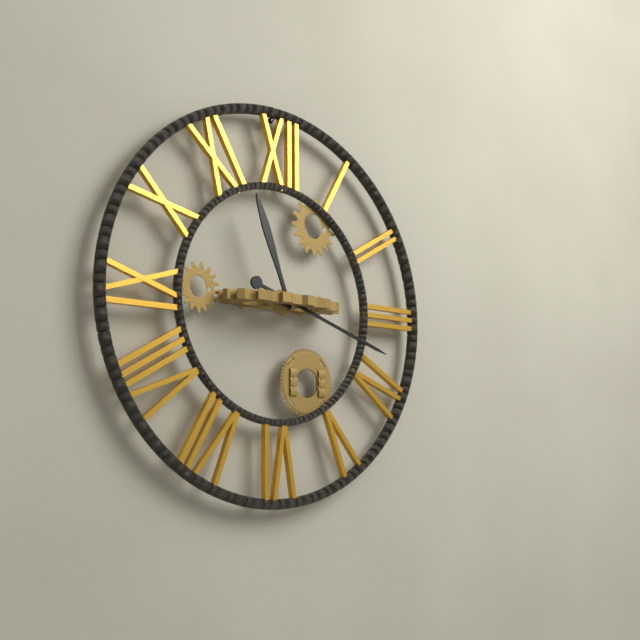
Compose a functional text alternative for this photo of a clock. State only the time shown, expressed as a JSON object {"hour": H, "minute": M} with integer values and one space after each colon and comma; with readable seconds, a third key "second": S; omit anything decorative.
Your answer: {"hour": 11, "minute": 18}
